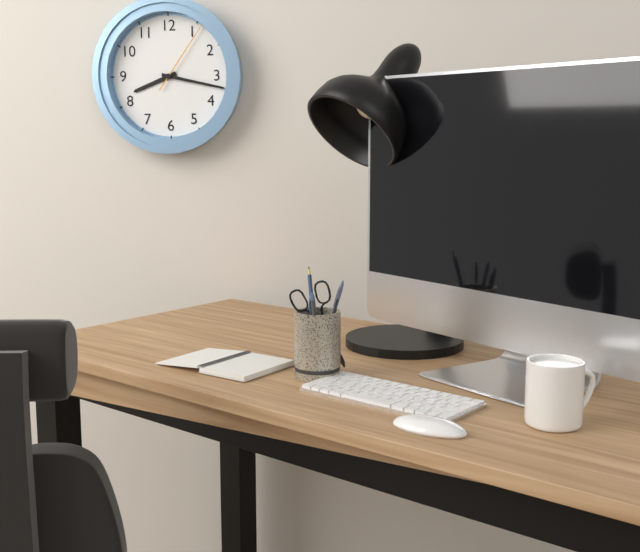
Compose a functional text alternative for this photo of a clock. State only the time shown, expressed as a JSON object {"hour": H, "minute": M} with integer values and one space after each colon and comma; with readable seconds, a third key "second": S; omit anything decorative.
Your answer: {"hour": 8, "minute": 17, "second": 6}
